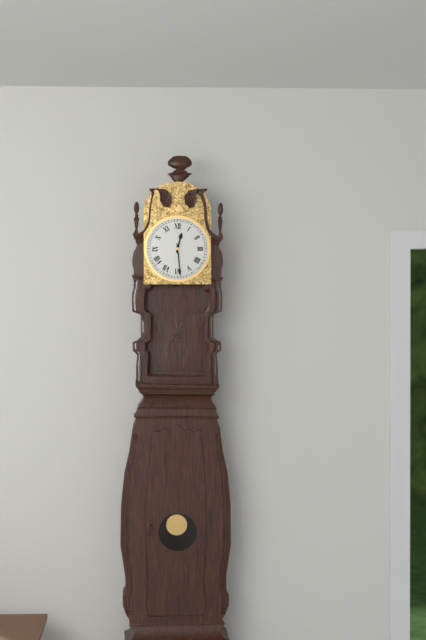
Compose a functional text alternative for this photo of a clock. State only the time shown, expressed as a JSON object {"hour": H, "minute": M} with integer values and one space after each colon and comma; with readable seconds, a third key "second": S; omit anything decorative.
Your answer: {"hour": 12, "minute": 29}
